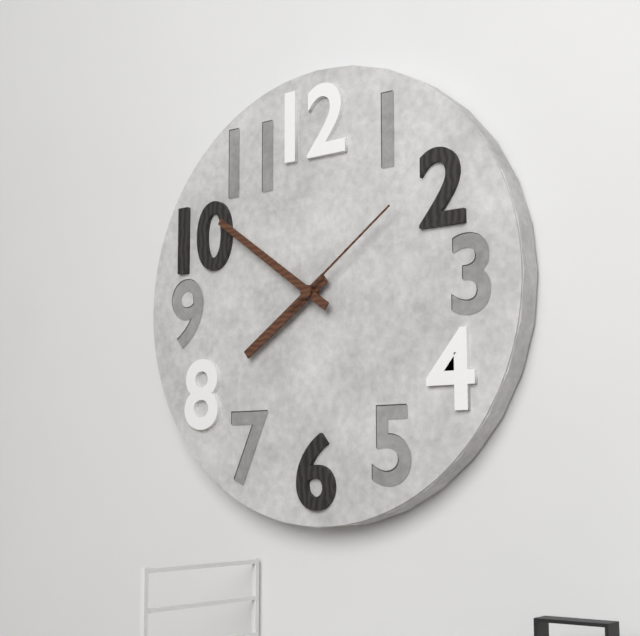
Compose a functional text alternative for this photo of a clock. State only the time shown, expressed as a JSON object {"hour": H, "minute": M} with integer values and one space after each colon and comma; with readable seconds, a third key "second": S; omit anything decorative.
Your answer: {"hour": 7, "minute": 51, "second": 9}
